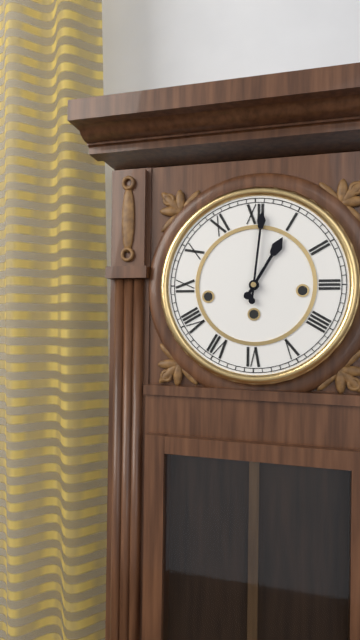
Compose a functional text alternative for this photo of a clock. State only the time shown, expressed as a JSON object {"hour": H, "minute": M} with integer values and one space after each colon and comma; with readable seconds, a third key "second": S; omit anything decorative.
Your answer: {"hour": 1, "minute": 1}
